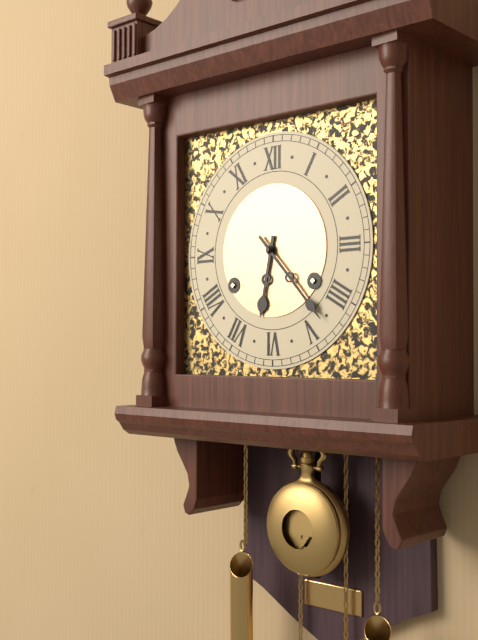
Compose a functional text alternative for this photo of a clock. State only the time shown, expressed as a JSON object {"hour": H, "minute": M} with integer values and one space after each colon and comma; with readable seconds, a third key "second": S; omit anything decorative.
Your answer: {"hour": 6, "minute": 23}
